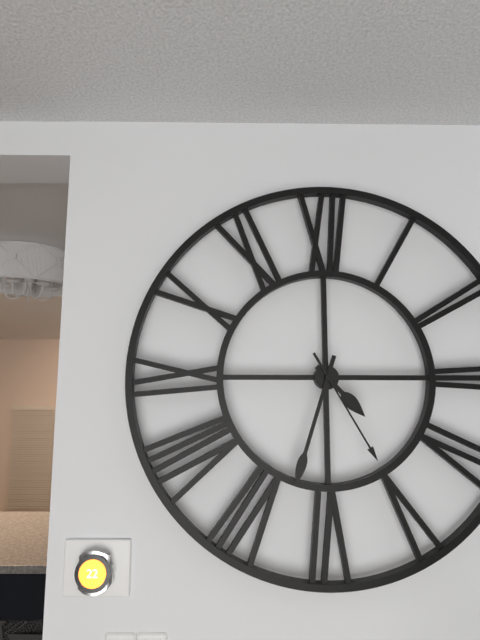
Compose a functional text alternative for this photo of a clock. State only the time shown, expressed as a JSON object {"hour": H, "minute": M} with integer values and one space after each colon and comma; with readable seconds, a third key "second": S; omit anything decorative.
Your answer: {"hour": 4, "minute": 33, "second": 25}
